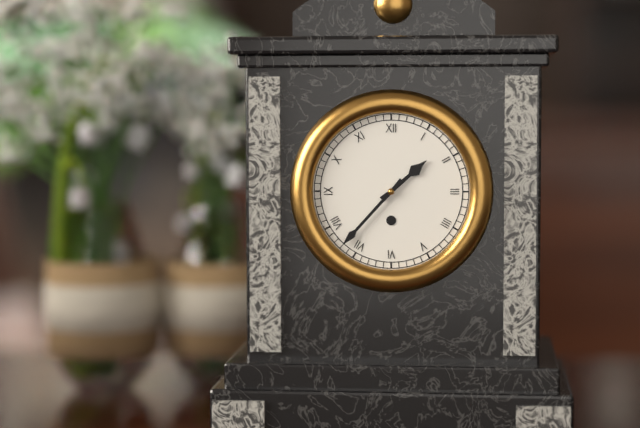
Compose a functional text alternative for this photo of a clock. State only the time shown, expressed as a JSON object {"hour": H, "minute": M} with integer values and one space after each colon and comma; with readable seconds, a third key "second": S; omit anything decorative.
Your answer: {"hour": 1, "minute": 37}
